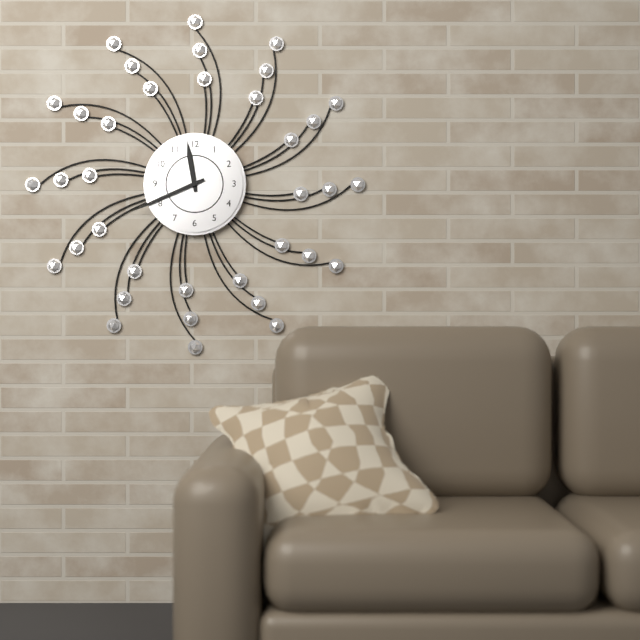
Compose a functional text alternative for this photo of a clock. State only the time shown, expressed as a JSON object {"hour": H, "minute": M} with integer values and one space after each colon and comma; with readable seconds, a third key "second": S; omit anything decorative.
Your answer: {"hour": 11, "minute": 41}
